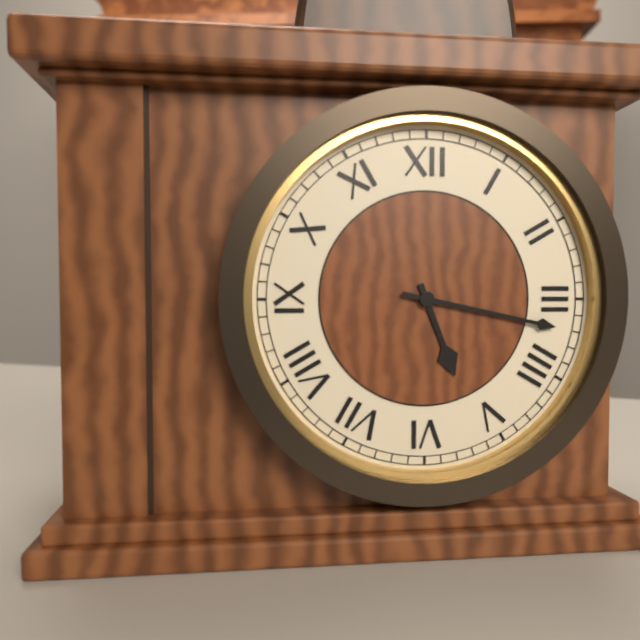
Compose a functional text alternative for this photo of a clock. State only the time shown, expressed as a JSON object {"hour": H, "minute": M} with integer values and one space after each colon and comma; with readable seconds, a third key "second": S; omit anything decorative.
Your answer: {"hour": 5, "minute": 17}
